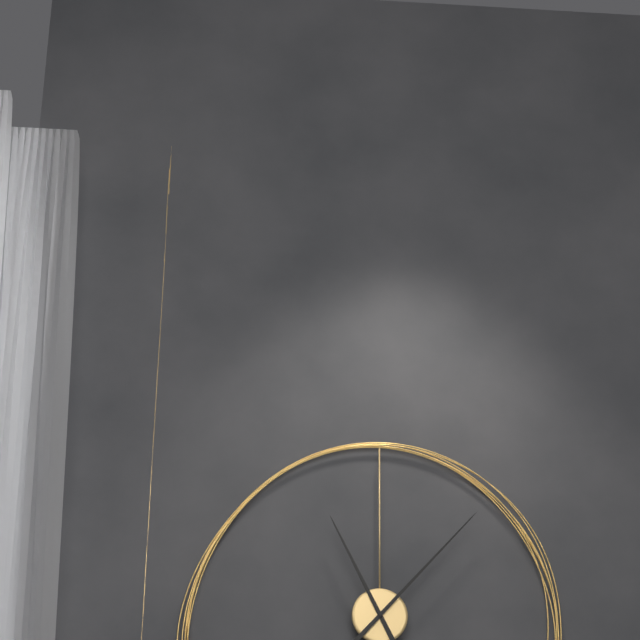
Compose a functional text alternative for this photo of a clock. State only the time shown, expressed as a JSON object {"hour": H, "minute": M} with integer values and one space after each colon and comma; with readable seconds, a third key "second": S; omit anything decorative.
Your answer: {"hour": 11, "minute": 7}
